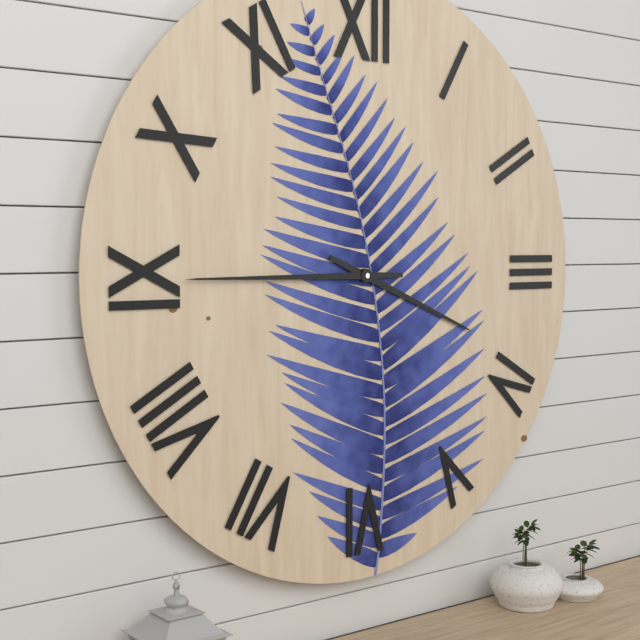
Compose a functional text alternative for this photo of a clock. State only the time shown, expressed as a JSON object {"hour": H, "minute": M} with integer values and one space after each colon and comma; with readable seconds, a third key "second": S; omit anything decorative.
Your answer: {"hour": 3, "minute": 45}
